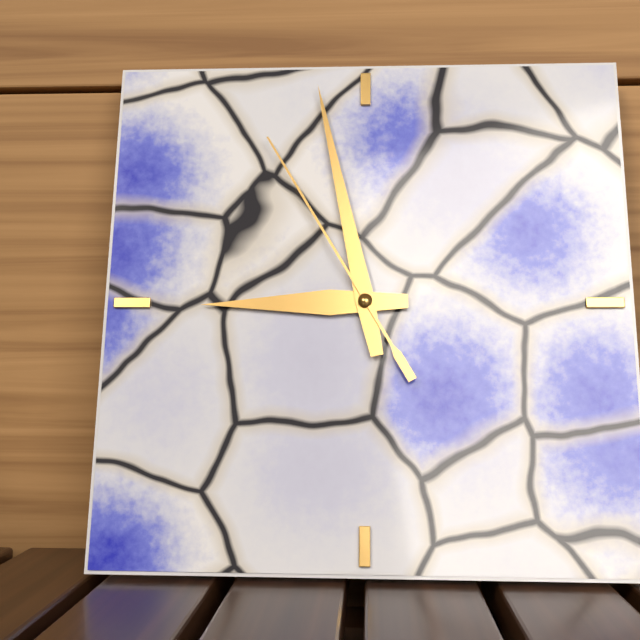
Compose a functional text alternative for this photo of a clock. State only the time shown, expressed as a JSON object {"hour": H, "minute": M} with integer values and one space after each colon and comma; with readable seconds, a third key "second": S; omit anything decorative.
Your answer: {"hour": 8, "minute": 58, "second": 55}
